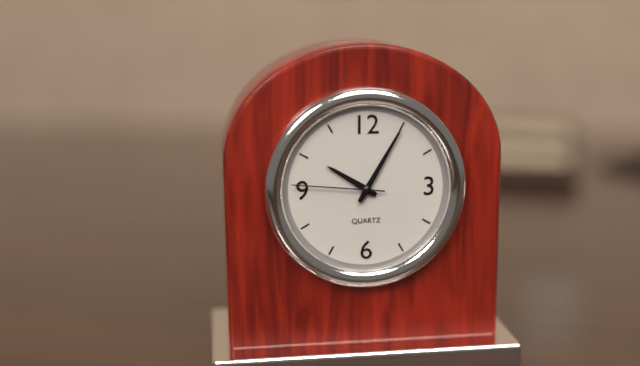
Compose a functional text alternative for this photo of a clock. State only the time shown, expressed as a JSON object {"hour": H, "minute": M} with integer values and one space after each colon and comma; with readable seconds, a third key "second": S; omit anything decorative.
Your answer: {"hour": 10, "minute": 5, "second": 46}
